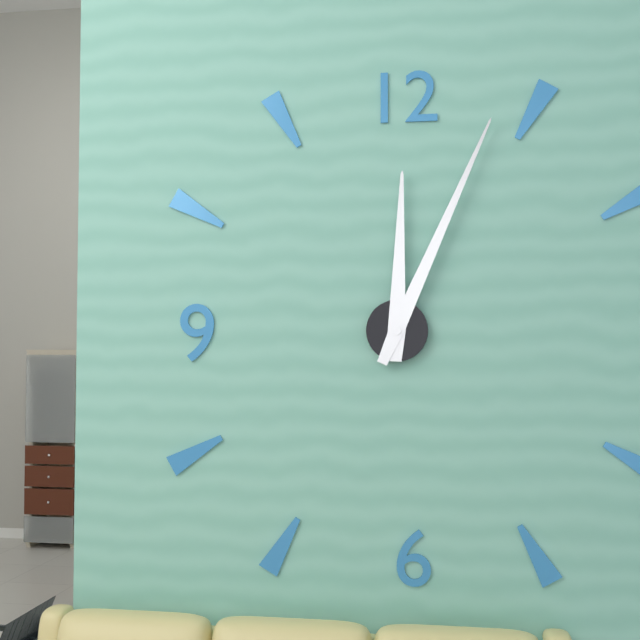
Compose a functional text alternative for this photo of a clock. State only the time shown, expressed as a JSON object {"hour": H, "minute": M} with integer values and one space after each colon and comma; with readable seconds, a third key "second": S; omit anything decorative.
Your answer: {"hour": 12, "minute": 4}
